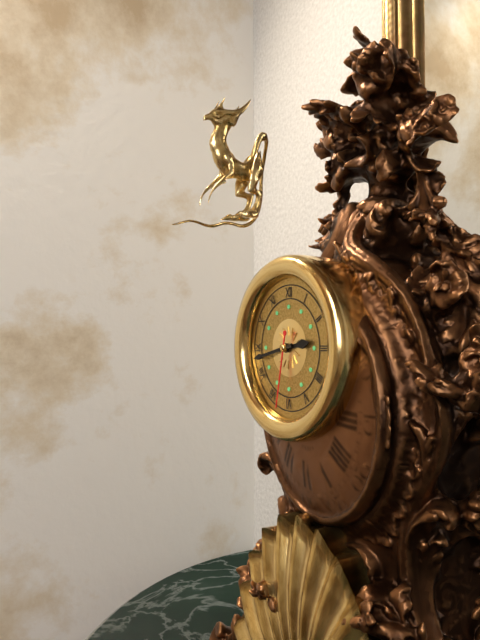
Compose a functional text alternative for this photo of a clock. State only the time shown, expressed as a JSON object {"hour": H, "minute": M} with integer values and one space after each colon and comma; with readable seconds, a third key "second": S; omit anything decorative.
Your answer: {"hour": 2, "minute": 43, "second": 32}
